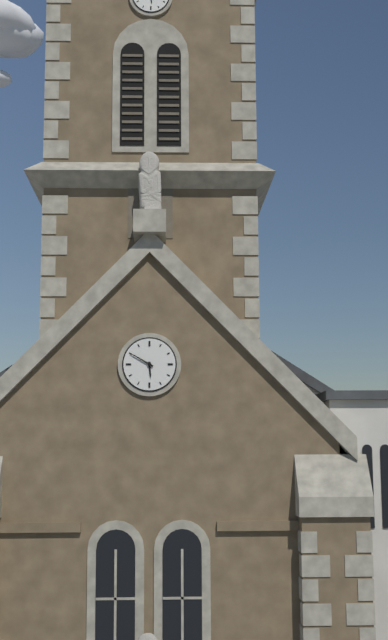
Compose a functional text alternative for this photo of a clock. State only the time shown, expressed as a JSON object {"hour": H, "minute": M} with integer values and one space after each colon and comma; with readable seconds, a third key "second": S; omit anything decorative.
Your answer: {"hour": 5, "minute": 50}
